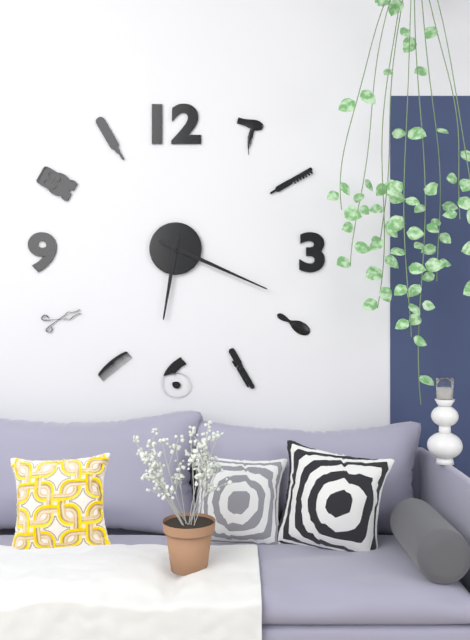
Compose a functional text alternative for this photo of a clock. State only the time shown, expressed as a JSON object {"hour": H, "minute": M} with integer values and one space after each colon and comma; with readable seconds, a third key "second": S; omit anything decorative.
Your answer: {"hour": 6, "minute": 19}
